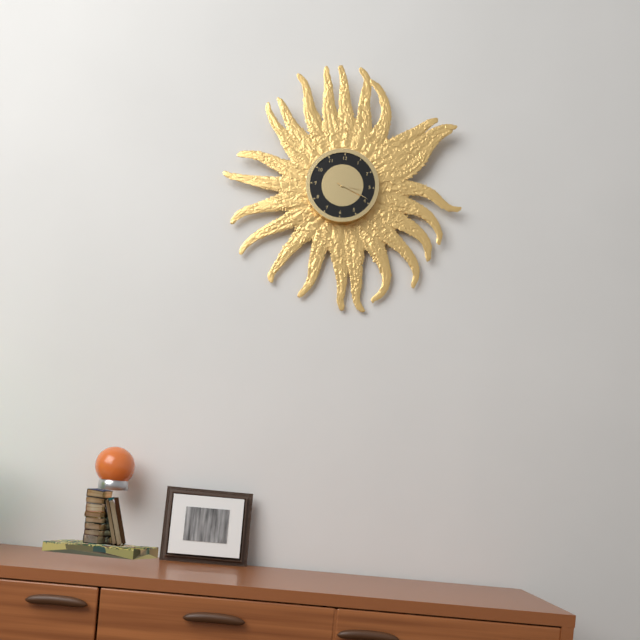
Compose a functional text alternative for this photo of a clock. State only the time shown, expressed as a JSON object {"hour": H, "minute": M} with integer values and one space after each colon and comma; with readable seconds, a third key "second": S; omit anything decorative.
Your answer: {"hour": 3, "minute": 19}
